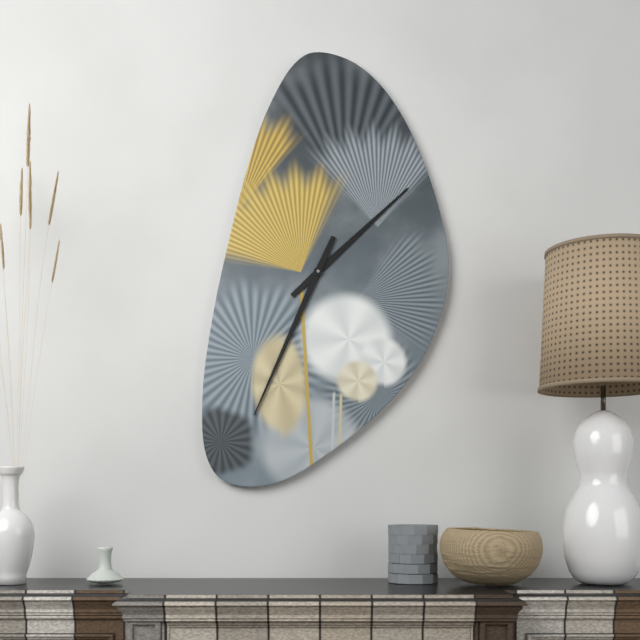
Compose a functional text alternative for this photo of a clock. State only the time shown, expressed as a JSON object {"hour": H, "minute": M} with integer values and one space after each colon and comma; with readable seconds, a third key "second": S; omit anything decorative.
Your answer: {"hour": 1, "minute": 34}
